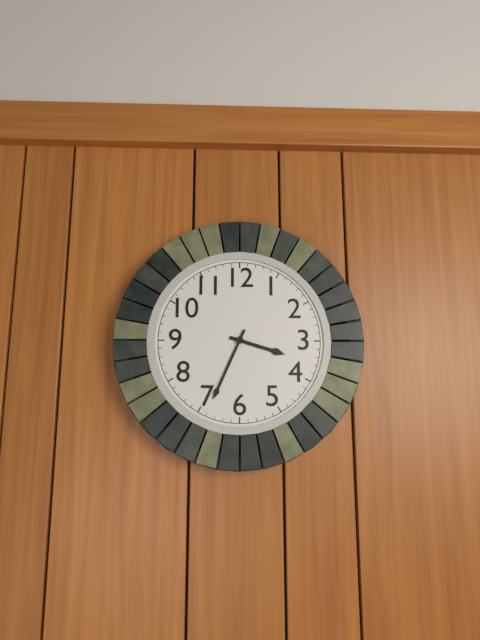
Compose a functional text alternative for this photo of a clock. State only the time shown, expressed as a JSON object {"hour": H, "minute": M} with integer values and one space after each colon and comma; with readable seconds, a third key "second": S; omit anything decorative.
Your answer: {"hour": 3, "minute": 34}
